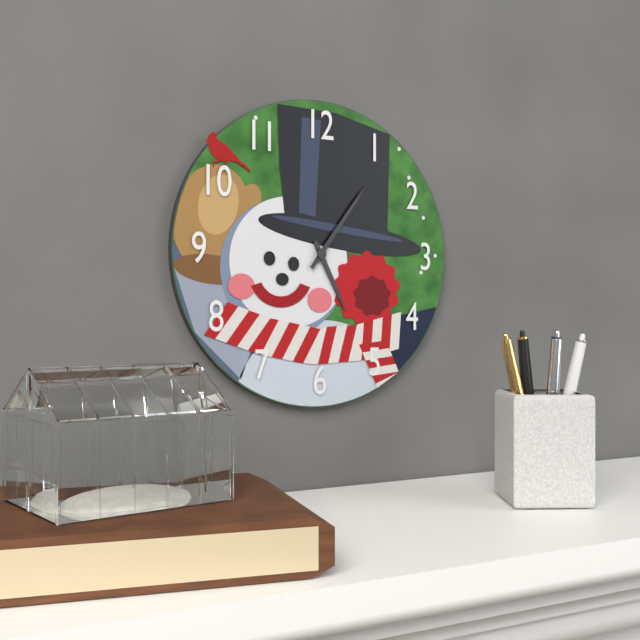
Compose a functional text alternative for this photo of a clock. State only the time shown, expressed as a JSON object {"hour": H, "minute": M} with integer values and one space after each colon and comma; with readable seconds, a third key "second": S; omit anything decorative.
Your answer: {"hour": 5, "minute": 6}
